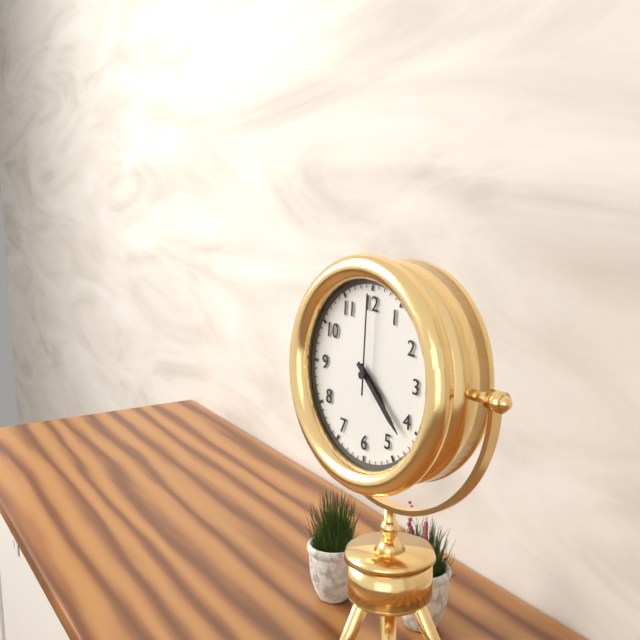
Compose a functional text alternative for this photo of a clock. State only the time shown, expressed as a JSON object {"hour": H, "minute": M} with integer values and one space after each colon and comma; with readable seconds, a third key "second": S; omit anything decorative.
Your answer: {"hour": 4, "minute": 22, "second": 0}
